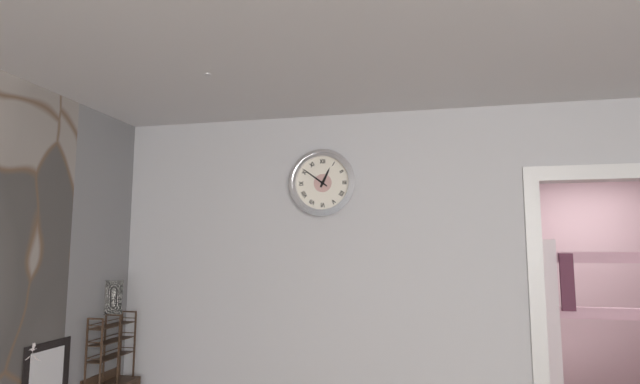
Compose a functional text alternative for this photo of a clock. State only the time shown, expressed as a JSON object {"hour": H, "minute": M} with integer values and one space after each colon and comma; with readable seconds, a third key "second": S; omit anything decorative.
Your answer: {"hour": 12, "minute": 51}
